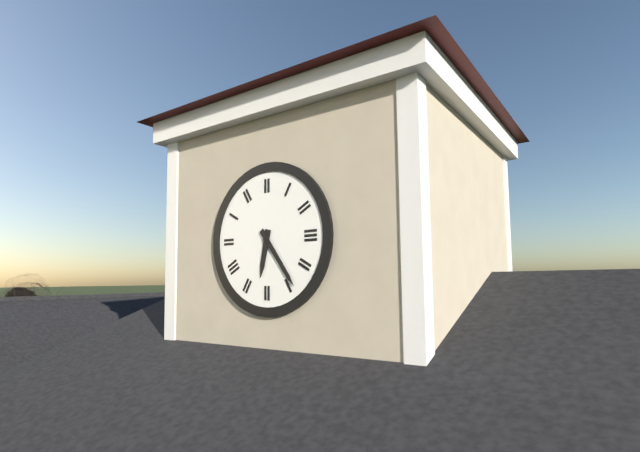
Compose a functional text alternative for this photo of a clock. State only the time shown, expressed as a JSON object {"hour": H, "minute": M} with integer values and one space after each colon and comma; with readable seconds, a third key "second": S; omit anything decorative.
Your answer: {"hour": 6, "minute": 24}
